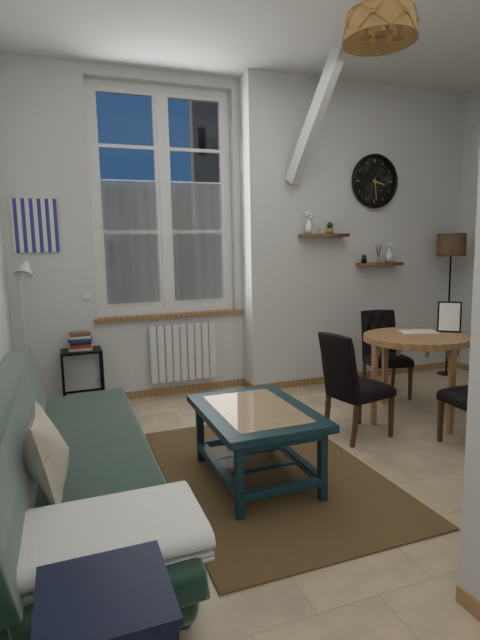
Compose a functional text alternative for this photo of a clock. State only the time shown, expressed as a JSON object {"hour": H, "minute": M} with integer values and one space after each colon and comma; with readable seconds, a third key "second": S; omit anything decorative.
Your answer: {"hour": 3, "minute": 29}
